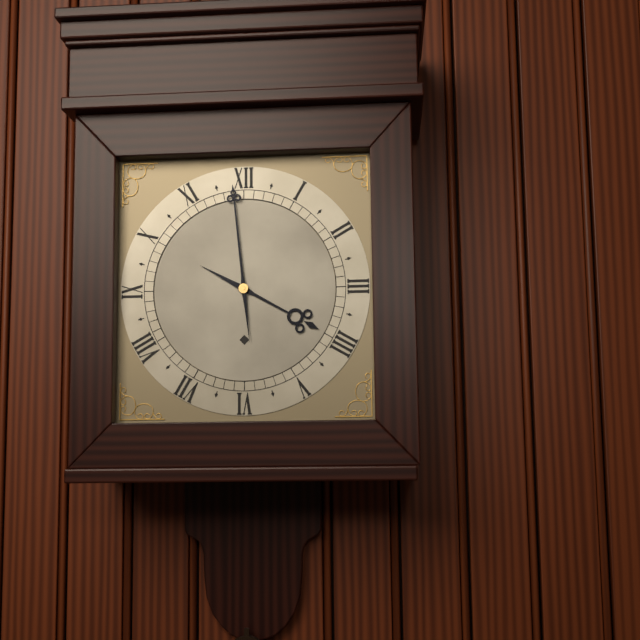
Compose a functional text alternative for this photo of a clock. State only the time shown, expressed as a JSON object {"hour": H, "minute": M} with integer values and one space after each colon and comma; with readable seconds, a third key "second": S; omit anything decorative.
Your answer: {"hour": 3, "minute": 59}
